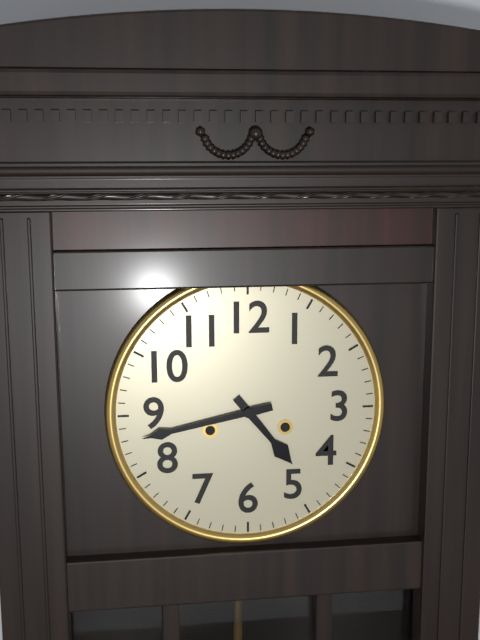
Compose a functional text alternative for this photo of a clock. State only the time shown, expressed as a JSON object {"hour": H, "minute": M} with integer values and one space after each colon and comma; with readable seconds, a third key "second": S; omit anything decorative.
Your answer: {"hour": 4, "minute": 43}
